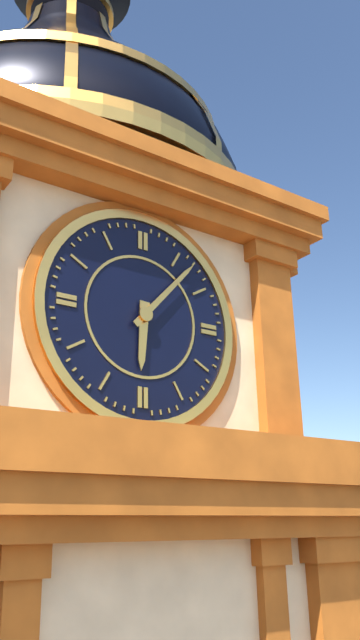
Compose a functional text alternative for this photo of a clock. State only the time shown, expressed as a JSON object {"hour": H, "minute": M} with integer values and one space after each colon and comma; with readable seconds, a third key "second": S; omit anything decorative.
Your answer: {"hour": 6, "minute": 7}
